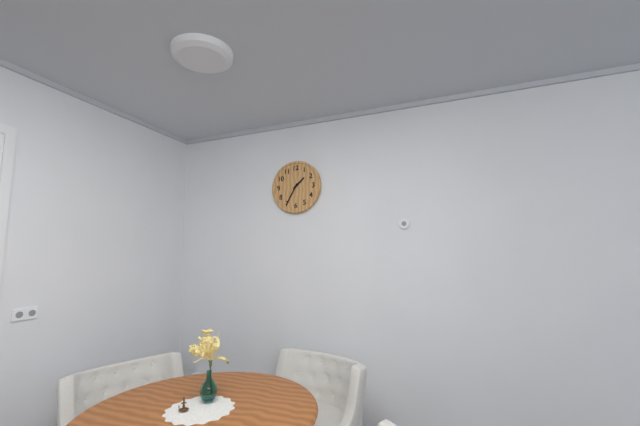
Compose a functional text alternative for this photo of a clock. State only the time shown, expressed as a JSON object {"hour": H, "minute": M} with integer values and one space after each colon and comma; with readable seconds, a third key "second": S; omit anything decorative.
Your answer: {"hour": 1, "minute": 35}
